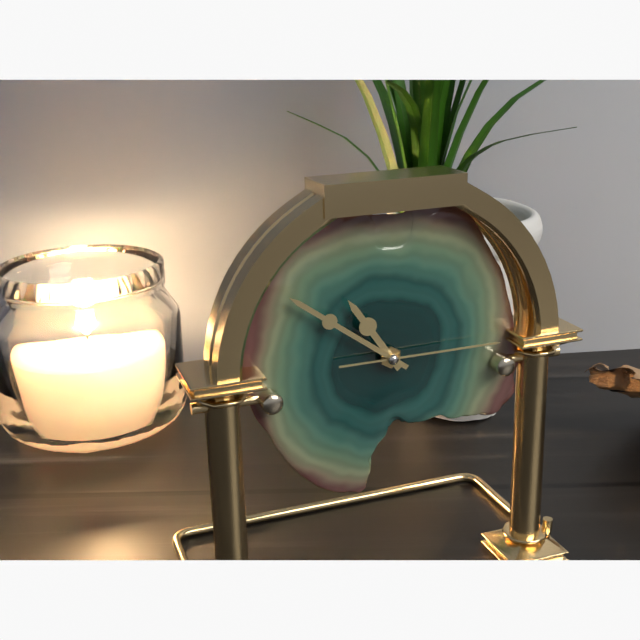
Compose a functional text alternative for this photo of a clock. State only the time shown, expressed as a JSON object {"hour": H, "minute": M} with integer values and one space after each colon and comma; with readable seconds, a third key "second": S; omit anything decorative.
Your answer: {"hour": 10, "minute": 51, "second": 15}
